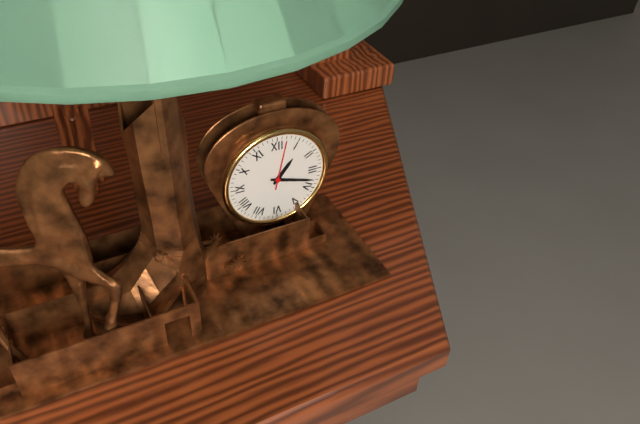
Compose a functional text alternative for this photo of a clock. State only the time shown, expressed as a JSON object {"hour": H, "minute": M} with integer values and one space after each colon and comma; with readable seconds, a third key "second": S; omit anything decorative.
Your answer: {"hour": 1, "minute": 18}
